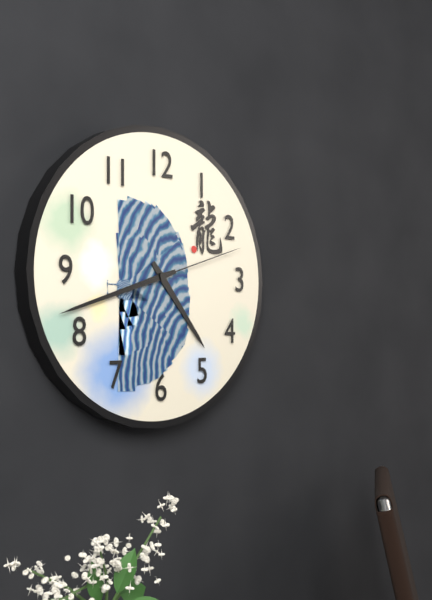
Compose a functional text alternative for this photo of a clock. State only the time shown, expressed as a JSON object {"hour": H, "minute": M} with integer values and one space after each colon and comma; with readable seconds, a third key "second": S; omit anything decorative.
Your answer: {"hour": 4, "minute": 42, "second": 12}
